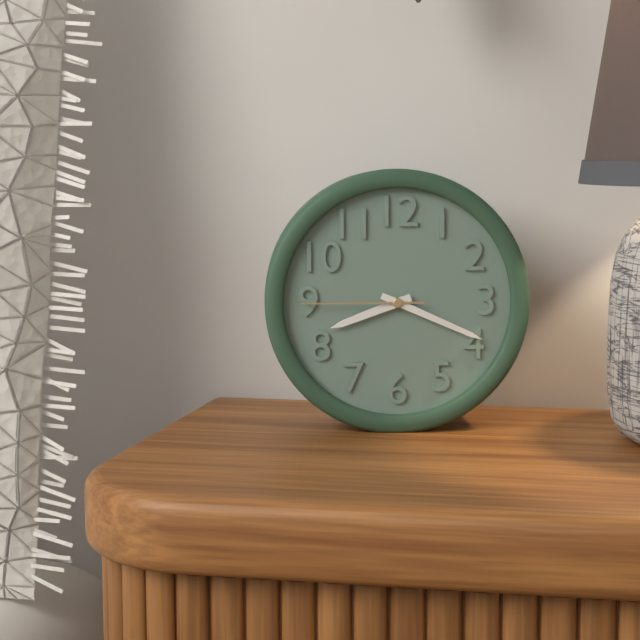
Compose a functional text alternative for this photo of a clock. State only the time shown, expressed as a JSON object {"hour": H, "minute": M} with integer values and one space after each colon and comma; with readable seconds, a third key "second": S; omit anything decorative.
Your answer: {"hour": 8, "minute": 19, "second": 45}
